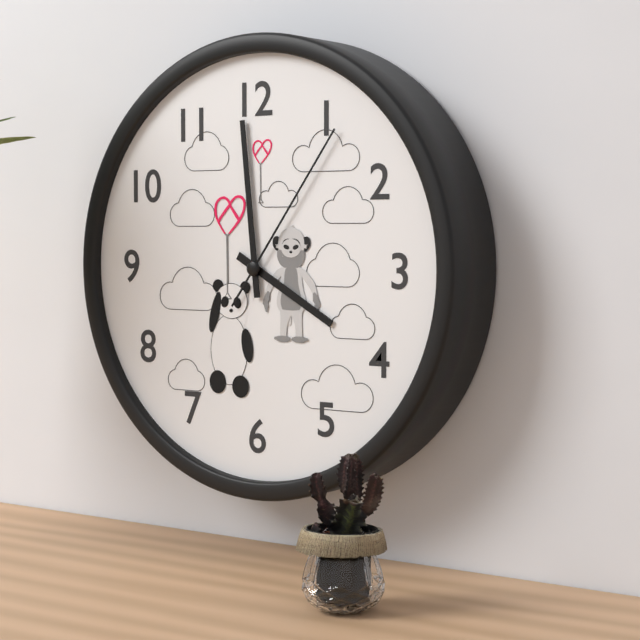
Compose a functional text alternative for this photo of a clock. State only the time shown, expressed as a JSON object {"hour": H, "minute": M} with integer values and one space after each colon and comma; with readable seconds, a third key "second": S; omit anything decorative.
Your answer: {"hour": 3, "minute": 59, "second": 6}
